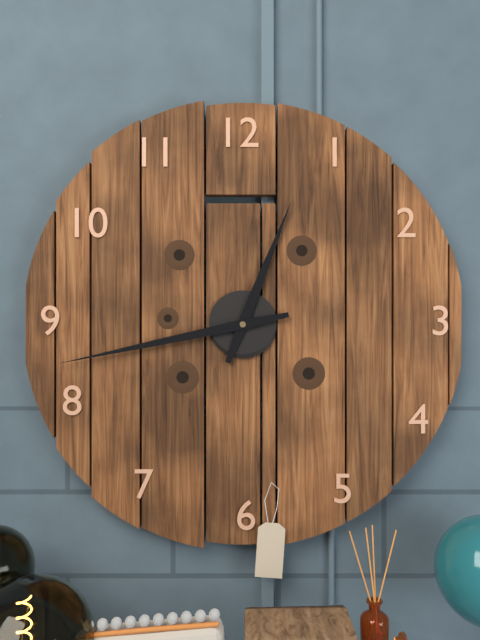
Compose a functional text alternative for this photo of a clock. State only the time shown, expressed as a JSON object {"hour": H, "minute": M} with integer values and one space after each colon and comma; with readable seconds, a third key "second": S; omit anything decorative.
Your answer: {"hour": 12, "minute": 43}
